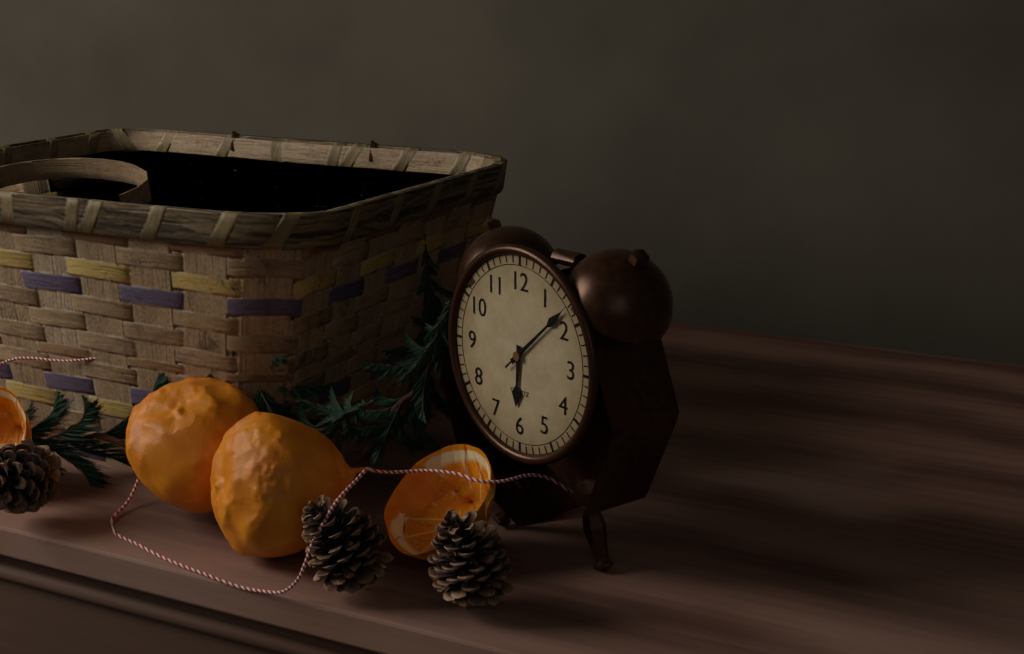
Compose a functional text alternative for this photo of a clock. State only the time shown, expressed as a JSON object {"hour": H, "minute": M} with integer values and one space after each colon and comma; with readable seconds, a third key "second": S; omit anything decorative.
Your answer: {"hour": 6, "minute": 8, "second": 8}
